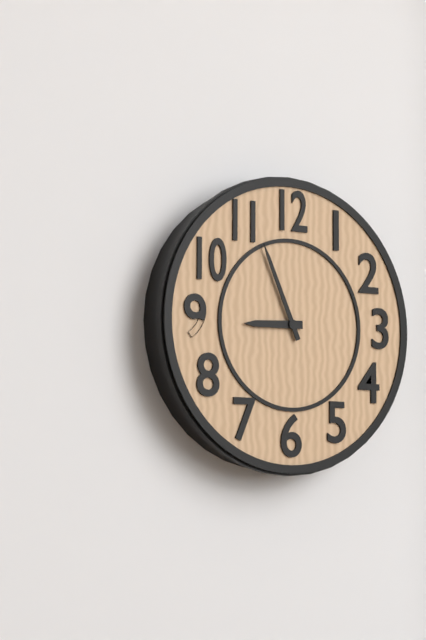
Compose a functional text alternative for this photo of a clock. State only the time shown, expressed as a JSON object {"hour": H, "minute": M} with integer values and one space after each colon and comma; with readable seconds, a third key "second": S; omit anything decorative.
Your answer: {"hour": 8, "minute": 56}
